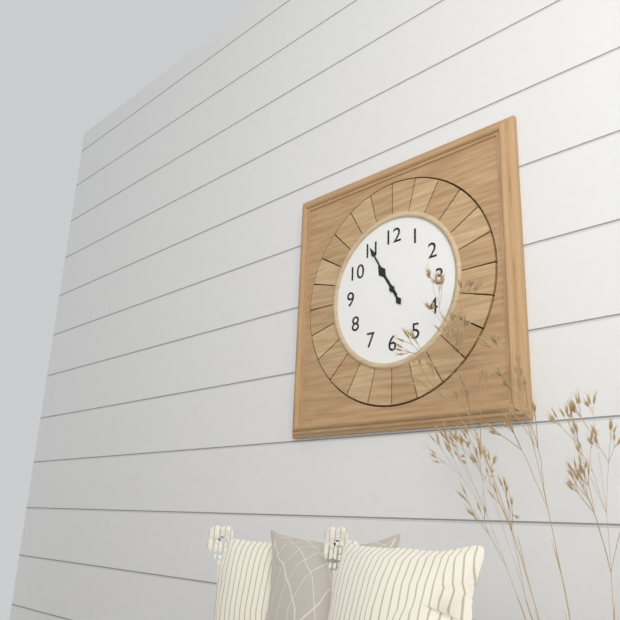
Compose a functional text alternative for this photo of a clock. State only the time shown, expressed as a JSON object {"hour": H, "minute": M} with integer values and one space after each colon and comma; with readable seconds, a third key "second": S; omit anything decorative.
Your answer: {"hour": 10, "minute": 55}
